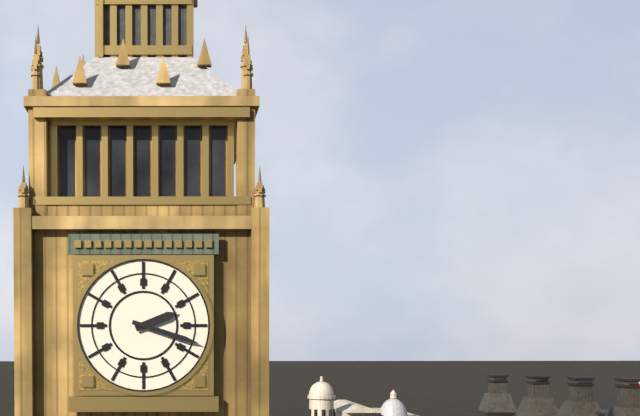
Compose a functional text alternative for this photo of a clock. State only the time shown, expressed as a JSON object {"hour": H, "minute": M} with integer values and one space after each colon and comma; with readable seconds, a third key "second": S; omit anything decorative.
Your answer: {"hour": 2, "minute": 18}
